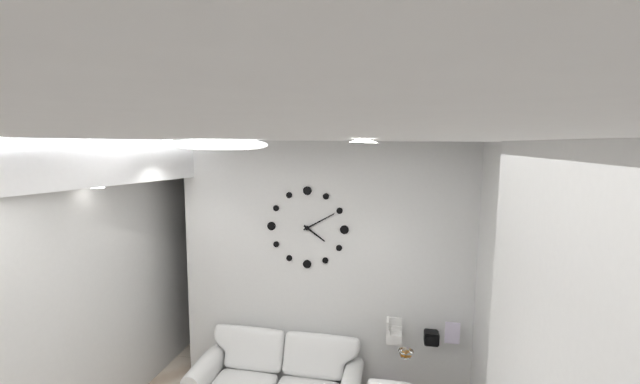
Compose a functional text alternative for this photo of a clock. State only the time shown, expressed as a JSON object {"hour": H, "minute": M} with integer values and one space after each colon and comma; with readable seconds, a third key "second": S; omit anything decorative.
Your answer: {"hour": 4, "minute": 10}
